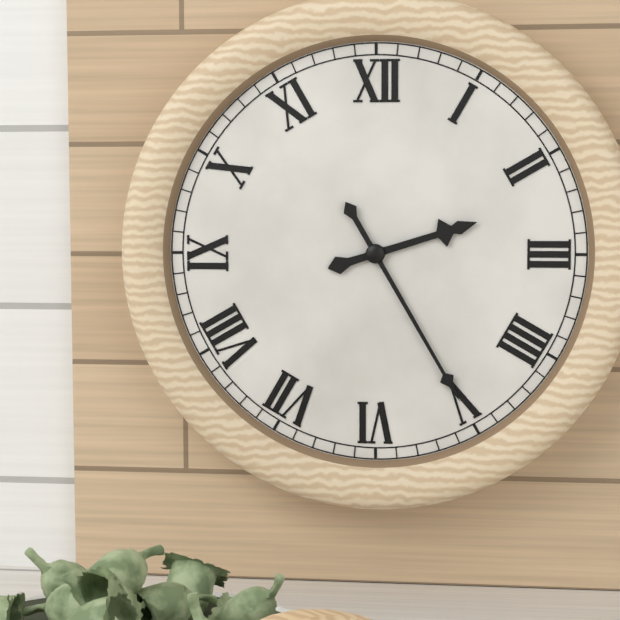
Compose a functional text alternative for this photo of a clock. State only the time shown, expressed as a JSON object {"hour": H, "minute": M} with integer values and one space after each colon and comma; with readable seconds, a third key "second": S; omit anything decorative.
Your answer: {"hour": 2, "minute": 25}
